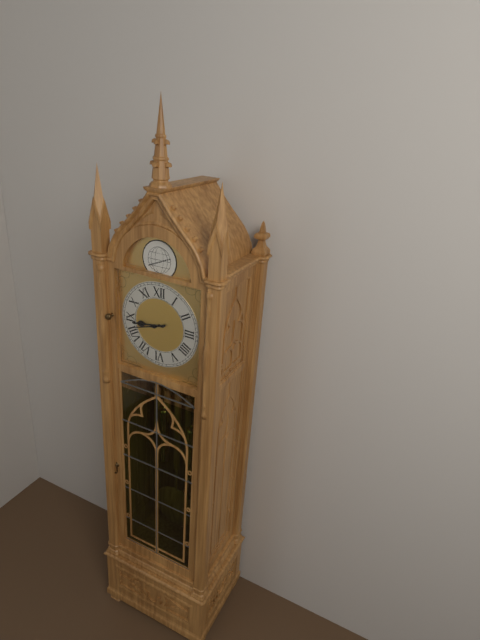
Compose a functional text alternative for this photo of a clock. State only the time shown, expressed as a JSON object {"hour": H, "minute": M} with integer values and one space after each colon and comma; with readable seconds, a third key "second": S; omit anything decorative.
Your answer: {"hour": 8, "minute": 42}
